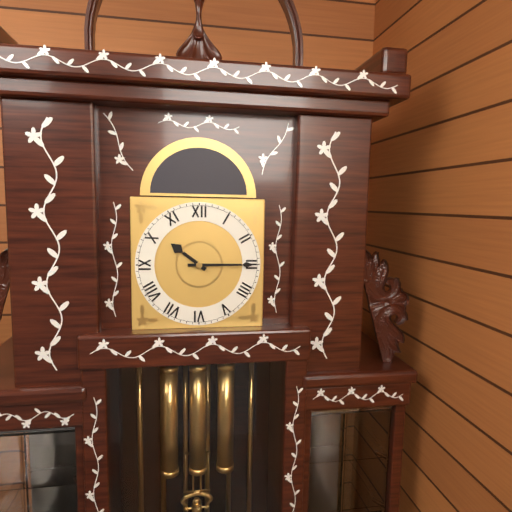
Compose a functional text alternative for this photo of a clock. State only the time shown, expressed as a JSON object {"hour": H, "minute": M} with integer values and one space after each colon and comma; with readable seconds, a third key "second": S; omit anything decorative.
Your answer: {"hour": 10, "minute": 15}
